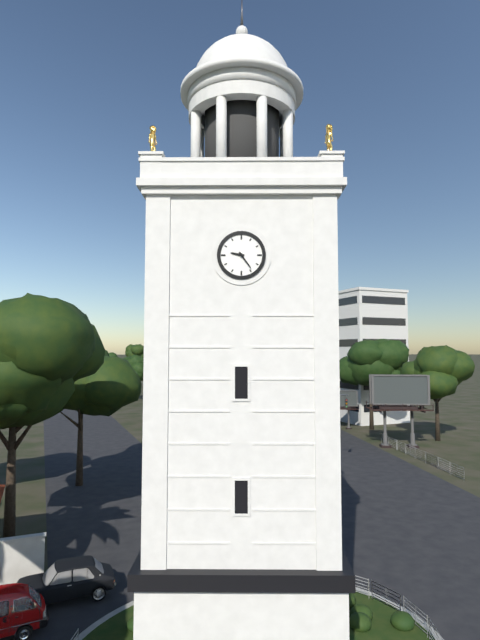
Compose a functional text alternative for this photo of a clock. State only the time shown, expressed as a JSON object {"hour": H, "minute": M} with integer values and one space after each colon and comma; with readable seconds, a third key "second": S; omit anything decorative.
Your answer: {"hour": 9, "minute": 24}
